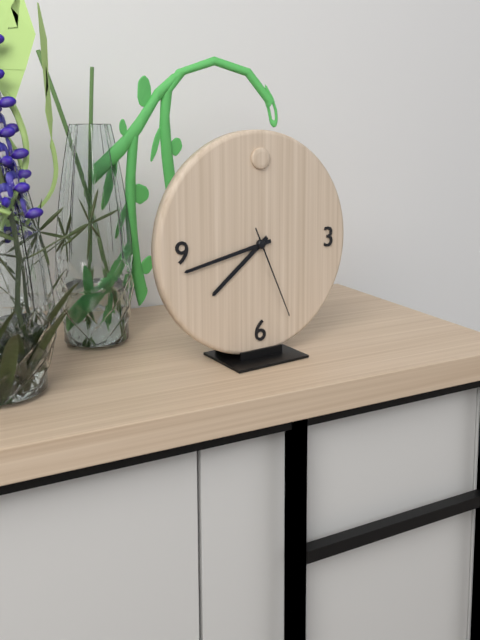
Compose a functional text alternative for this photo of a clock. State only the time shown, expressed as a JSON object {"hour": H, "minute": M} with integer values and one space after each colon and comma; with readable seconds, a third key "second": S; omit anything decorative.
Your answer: {"hour": 7, "minute": 43, "second": 26}
